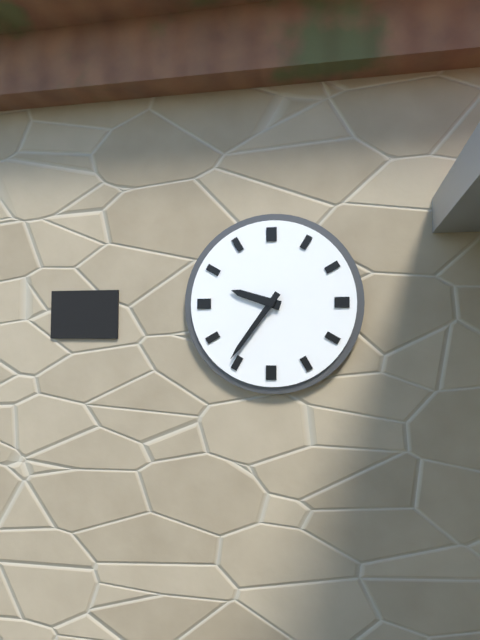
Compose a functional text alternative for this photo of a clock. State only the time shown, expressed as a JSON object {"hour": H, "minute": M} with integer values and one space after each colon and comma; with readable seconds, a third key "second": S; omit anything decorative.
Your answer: {"hour": 9, "minute": 36}
